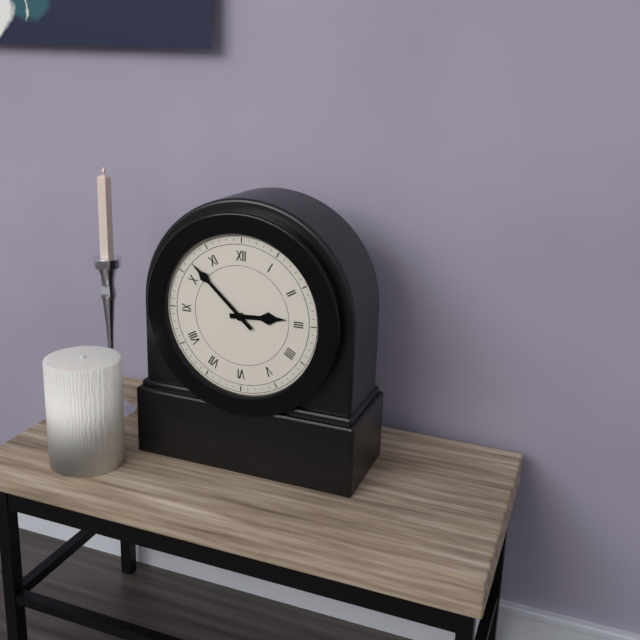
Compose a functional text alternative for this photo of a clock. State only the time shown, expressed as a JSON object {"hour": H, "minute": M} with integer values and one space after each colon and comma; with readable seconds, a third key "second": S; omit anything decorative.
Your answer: {"hour": 2, "minute": 52}
